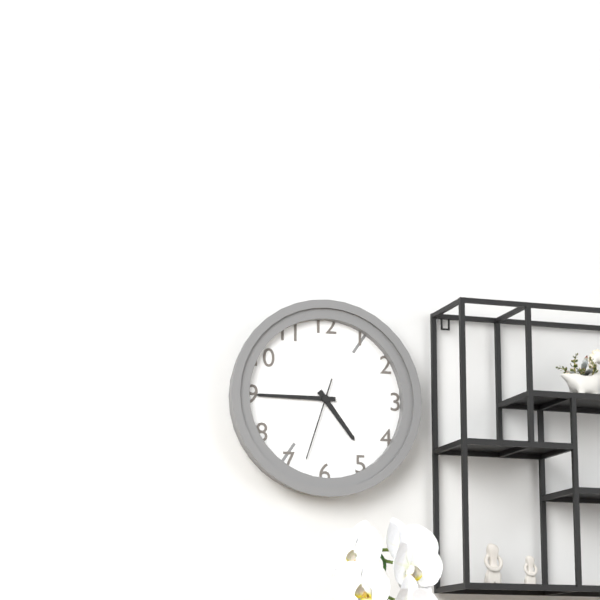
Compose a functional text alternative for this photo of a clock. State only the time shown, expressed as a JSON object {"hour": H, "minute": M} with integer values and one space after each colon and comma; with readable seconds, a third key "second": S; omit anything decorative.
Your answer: {"hour": 4, "minute": 45, "second": 33}
